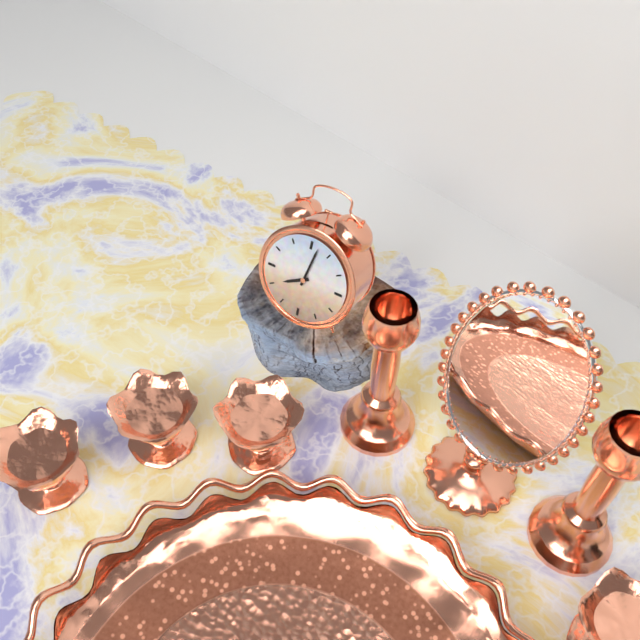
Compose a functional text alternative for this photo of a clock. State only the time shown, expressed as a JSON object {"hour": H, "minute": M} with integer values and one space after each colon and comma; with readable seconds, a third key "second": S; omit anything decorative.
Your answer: {"hour": 8, "minute": 2}
